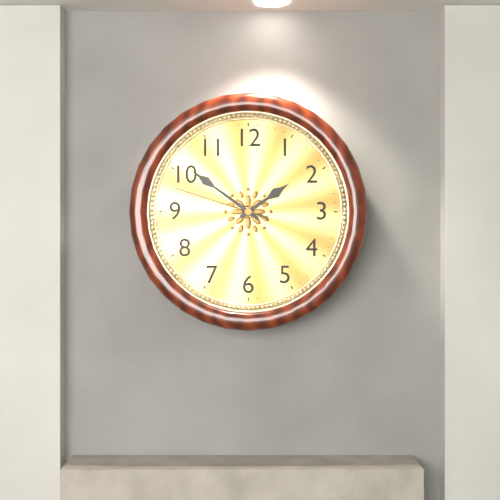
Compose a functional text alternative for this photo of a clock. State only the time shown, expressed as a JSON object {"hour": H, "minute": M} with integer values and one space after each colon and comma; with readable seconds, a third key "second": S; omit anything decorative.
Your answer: {"hour": 1, "minute": 51, "second": 48}
